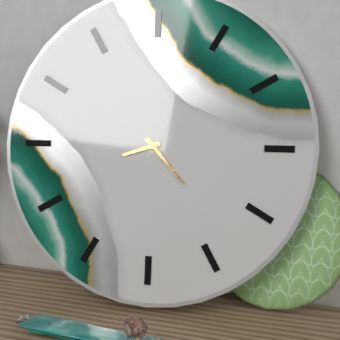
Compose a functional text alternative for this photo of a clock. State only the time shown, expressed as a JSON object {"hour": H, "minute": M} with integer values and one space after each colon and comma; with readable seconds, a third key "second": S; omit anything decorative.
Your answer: {"hour": 8, "minute": 23}
